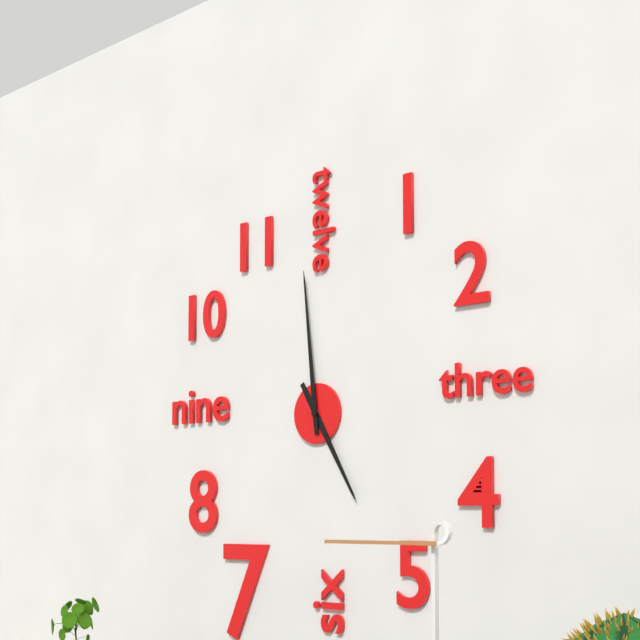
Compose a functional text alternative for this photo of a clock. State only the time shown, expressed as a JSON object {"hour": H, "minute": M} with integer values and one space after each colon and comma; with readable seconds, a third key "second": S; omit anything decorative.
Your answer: {"hour": 4, "minute": 59}
